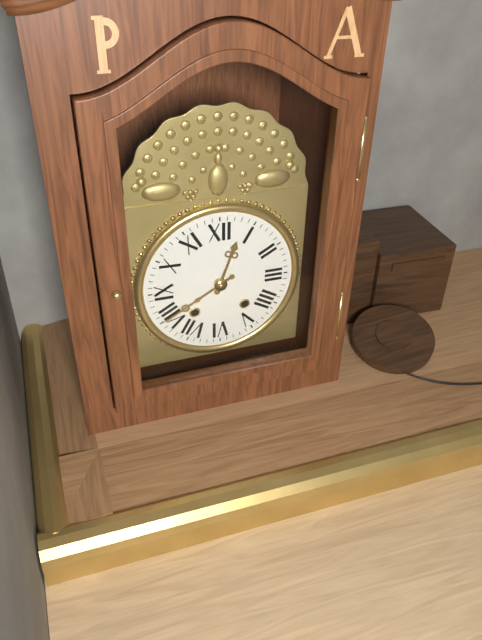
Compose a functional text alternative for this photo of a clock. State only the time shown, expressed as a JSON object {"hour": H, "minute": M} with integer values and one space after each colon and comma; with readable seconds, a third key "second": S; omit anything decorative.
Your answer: {"hour": 12, "minute": 40}
